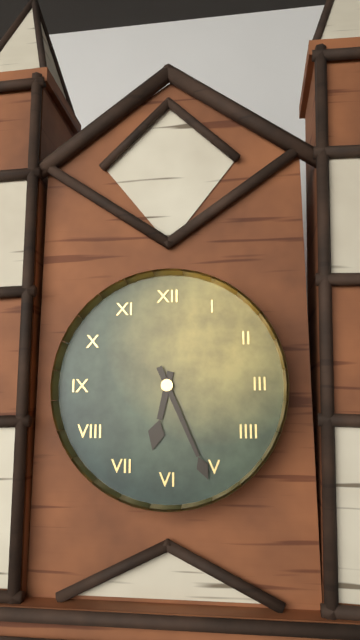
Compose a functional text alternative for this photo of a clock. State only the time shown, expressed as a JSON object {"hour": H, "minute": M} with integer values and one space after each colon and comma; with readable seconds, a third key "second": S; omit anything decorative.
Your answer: {"hour": 6, "minute": 26}
